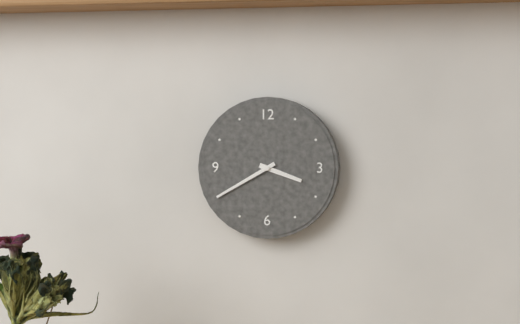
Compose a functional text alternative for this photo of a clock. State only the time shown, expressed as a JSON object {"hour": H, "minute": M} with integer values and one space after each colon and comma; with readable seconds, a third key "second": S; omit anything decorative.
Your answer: {"hour": 3, "minute": 40}
